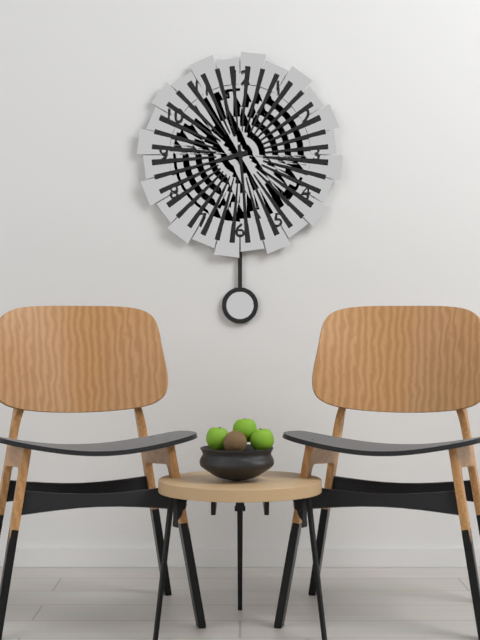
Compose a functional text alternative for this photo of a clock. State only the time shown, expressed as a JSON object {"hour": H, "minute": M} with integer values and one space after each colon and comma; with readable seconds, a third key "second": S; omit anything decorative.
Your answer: {"hour": 8, "minute": 29}
